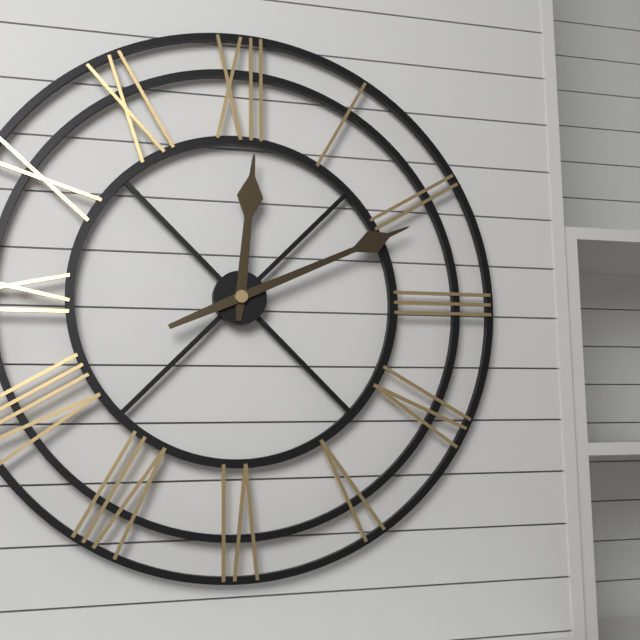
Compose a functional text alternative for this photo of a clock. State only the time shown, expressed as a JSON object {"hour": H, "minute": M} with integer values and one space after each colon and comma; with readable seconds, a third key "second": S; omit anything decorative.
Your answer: {"hour": 12, "minute": 11}
